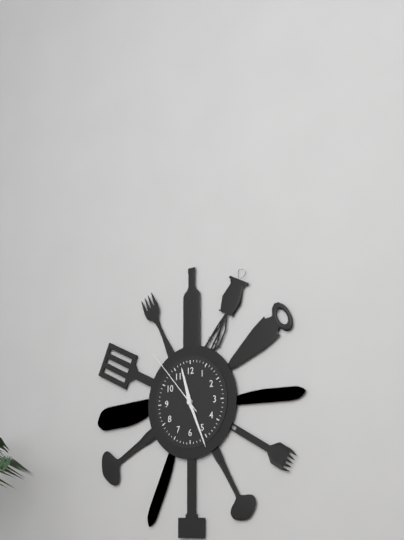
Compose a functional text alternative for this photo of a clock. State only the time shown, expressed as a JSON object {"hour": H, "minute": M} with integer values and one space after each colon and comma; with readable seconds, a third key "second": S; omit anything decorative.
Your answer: {"hour": 11, "minute": 26, "second": 53}
